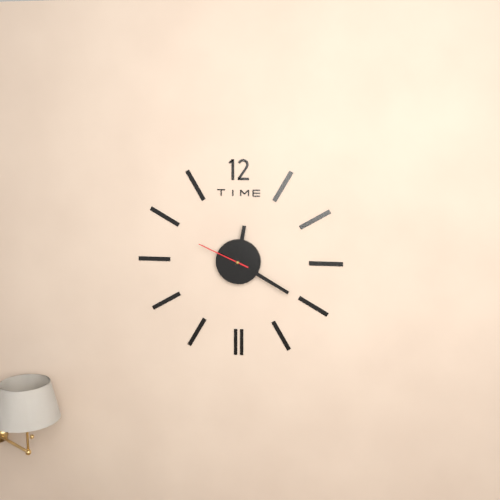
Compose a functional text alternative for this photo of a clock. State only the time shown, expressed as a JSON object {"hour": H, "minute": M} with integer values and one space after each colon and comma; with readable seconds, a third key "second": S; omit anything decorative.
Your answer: {"hour": 12, "minute": 20, "second": 49}
